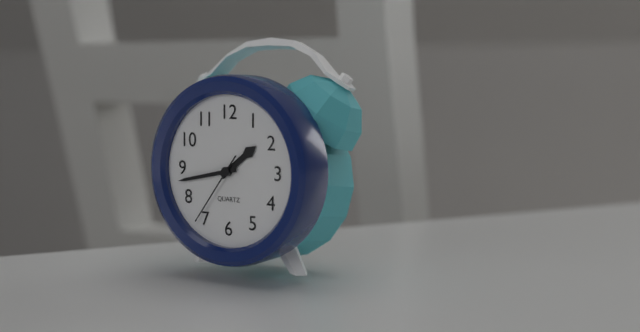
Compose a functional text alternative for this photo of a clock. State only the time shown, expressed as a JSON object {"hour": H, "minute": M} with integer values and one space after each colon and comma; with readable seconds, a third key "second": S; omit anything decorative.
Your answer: {"hour": 1, "minute": 43, "second": 36}
